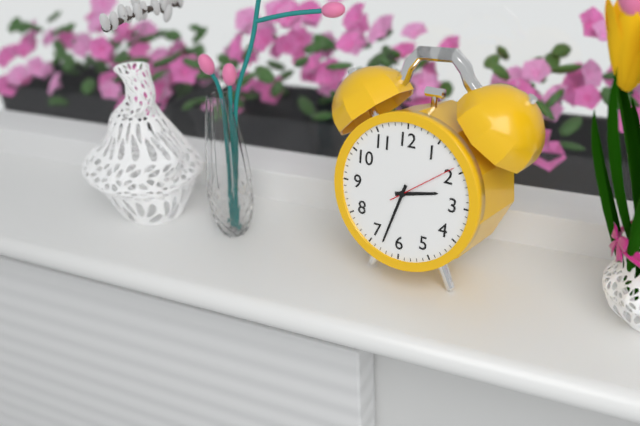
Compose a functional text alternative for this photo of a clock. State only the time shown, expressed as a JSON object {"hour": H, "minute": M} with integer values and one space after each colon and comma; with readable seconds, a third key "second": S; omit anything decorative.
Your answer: {"hour": 2, "minute": 33, "second": 9}
